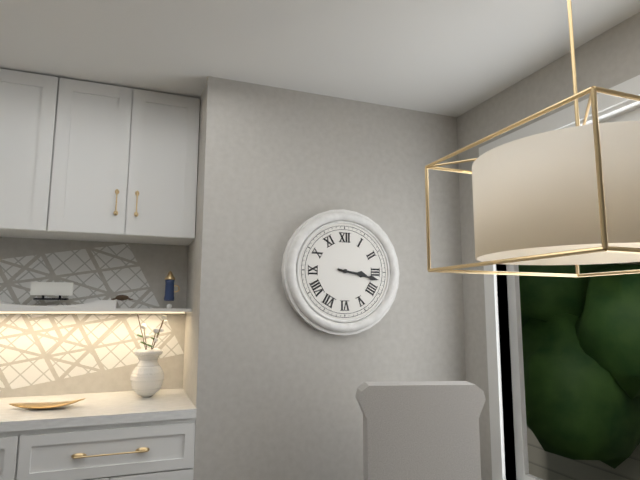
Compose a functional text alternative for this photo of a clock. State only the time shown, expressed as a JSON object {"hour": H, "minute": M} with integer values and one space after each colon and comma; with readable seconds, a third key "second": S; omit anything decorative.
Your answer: {"hour": 3, "minute": 17}
